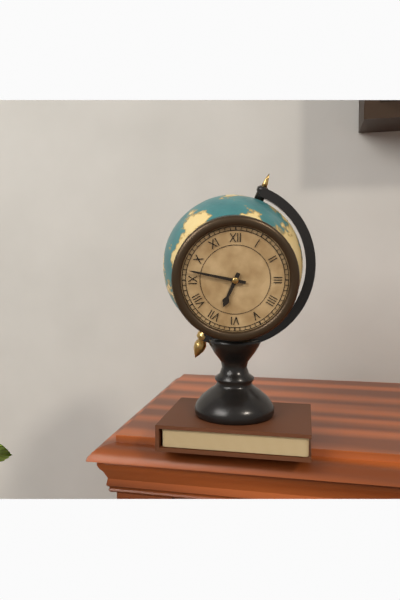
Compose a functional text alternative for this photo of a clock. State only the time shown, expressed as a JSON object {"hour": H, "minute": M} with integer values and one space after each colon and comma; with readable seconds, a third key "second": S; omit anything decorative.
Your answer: {"hour": 6, "minute": 47}
